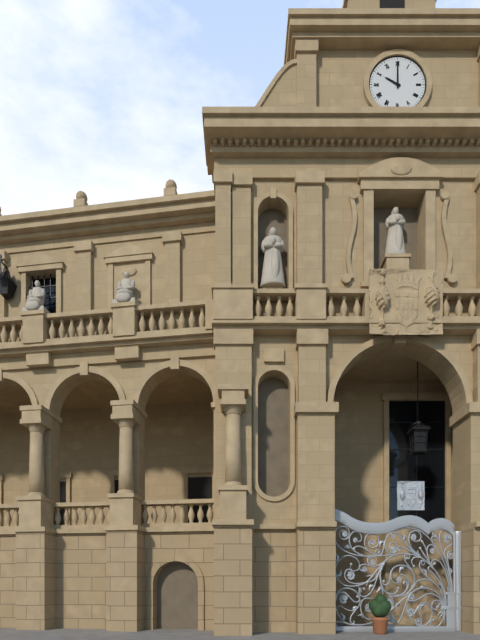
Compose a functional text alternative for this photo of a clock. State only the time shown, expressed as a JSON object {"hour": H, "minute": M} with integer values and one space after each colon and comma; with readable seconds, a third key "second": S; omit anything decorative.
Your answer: {"hour": 10, "minute": 0}
